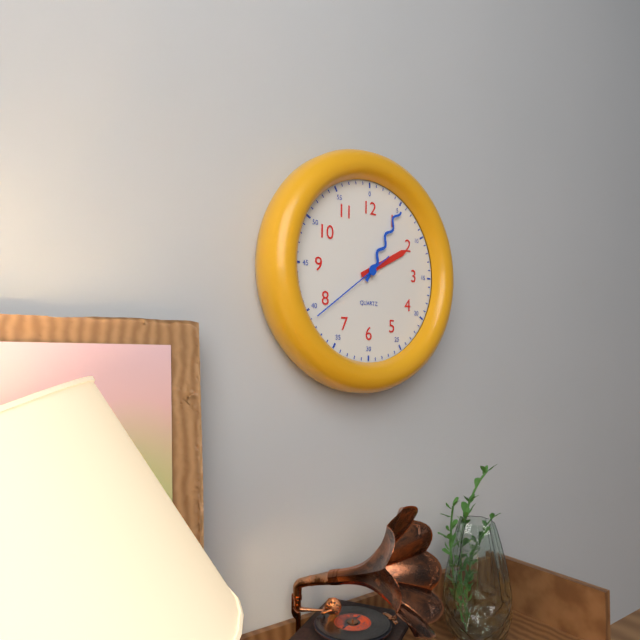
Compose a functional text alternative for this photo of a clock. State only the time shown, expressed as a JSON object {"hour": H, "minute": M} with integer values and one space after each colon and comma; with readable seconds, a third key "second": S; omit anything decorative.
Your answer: {"hour": 2, "minute": 5, "second": 39}
